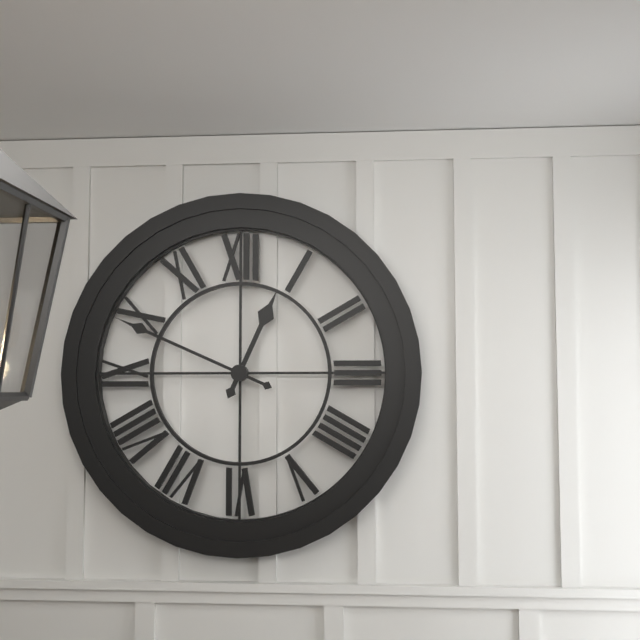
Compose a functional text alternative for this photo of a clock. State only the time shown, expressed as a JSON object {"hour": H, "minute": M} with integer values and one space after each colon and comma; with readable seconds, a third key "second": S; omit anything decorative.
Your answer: {"hour": 12, "minute": 49}
